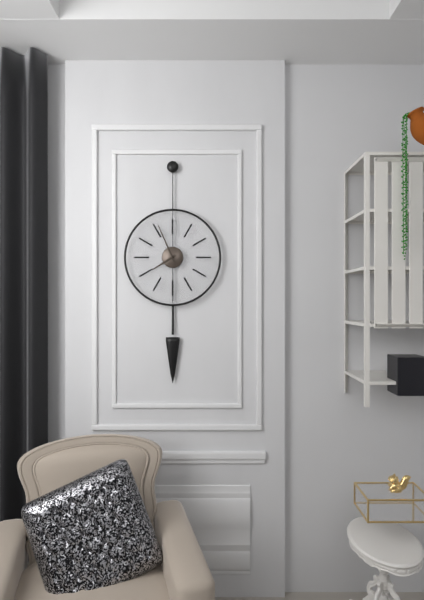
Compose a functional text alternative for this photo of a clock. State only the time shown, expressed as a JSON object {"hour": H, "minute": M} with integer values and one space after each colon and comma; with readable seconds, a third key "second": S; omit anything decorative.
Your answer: {"hour": 7, "minute": 56}
